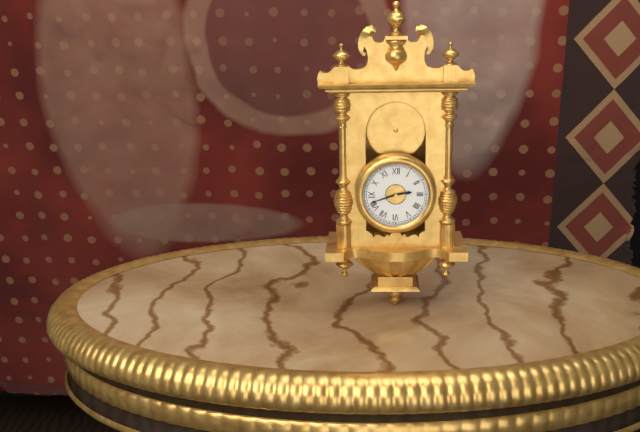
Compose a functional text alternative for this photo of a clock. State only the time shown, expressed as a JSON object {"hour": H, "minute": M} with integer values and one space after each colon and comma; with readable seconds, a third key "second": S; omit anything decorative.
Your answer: {"hour": 2, "minute": 42}
